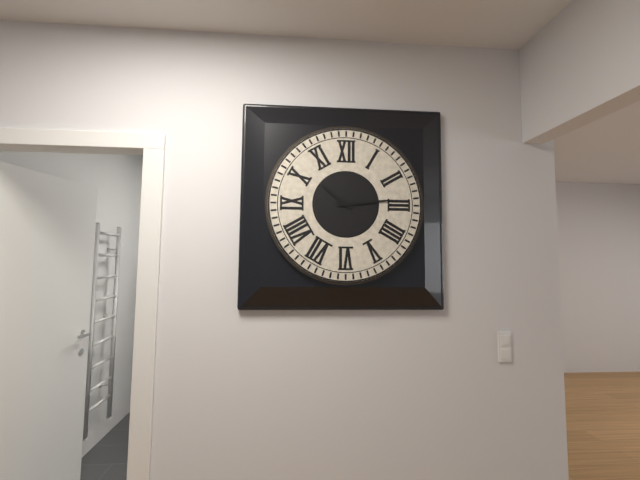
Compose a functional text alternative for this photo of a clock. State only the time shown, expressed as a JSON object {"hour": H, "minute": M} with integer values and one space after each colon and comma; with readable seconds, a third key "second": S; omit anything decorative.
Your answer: {"hour": 10, "minute": 14}
